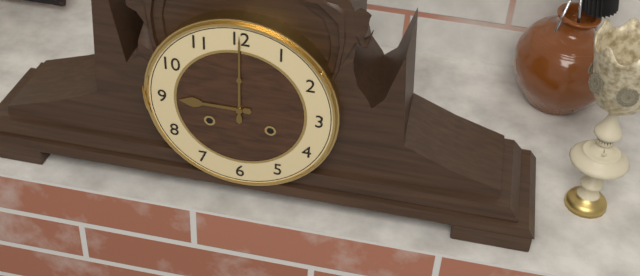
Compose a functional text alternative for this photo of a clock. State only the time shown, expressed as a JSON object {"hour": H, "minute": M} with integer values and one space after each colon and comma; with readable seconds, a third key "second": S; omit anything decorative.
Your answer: {"hour": 9, "minute": 0}
